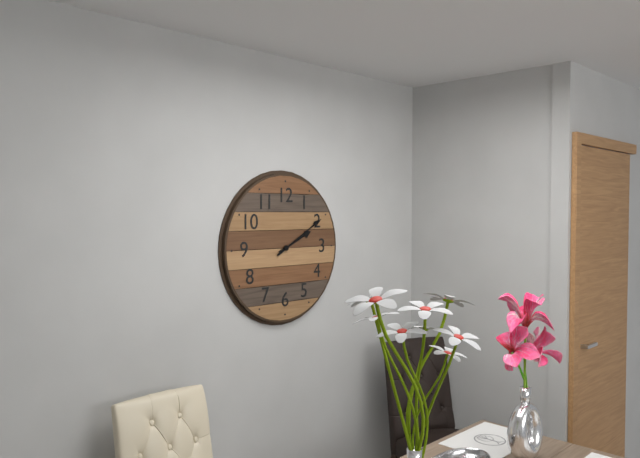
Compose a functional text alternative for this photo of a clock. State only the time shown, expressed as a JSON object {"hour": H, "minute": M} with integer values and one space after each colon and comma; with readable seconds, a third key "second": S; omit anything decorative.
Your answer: {"hour": 2, "minute": 10}
